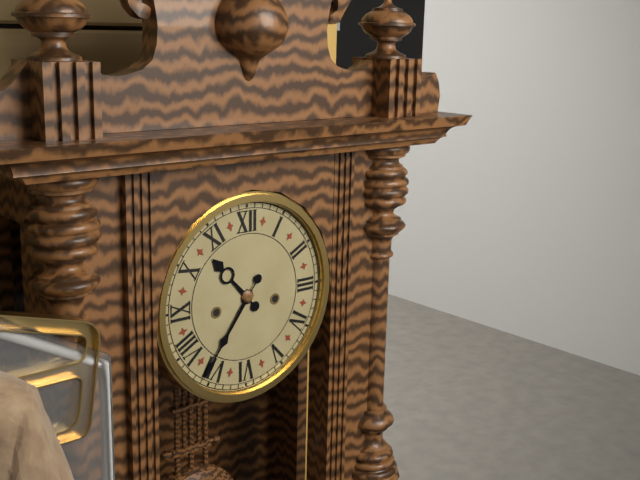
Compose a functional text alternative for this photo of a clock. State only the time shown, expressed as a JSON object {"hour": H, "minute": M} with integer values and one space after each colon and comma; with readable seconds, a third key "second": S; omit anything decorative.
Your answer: {"hour": 10, "minute": 36}
